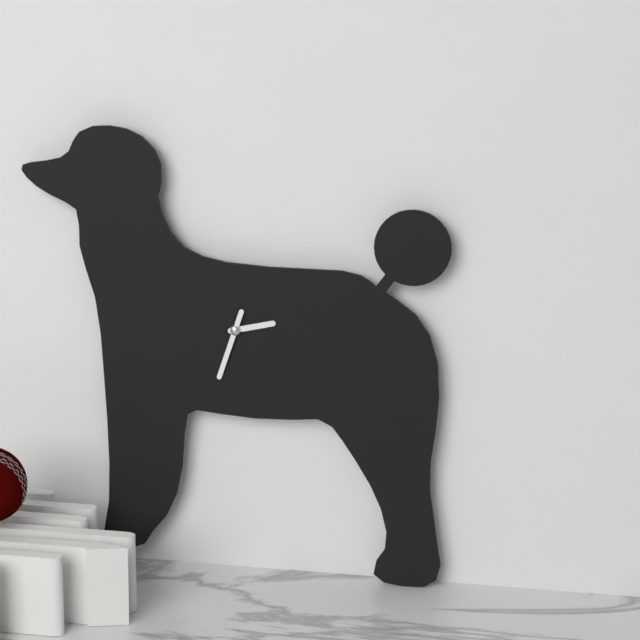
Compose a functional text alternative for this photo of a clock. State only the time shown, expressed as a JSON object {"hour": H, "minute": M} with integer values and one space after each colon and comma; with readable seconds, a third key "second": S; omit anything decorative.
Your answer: {"hour": 2, "minute": 33}
